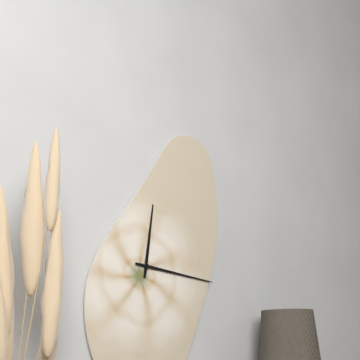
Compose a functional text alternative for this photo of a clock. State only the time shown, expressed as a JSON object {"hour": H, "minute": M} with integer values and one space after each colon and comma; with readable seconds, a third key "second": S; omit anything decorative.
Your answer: {"hour": 12, "minute": 16}
